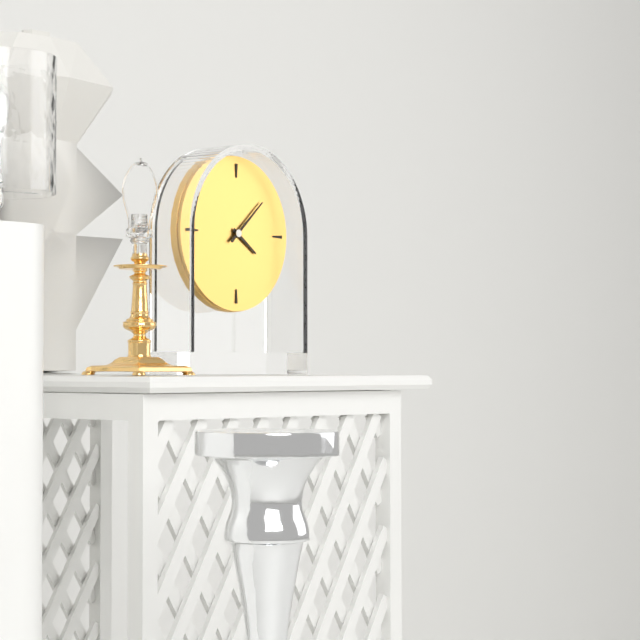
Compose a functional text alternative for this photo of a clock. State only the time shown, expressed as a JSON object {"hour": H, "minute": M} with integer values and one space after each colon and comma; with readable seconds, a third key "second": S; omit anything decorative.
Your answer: {"hour": 4, "minute": 8}
